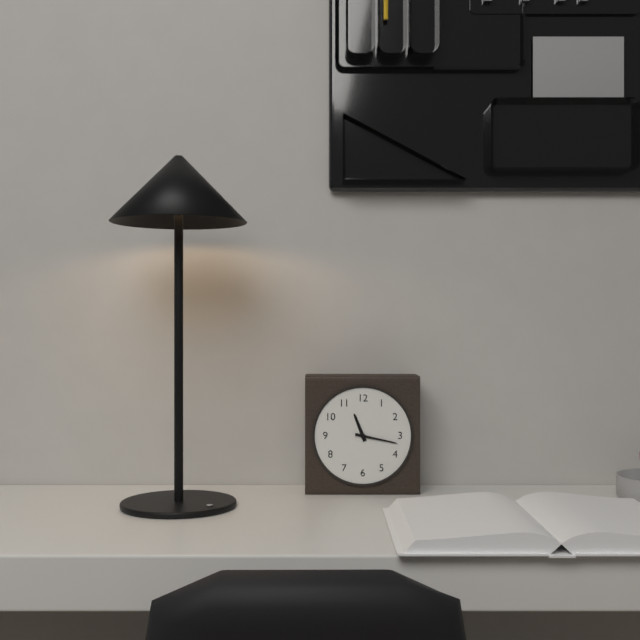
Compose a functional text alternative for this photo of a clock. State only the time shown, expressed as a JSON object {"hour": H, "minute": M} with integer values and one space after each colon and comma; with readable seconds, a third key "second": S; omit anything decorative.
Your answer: {"hour": 11, "minute": 17}
